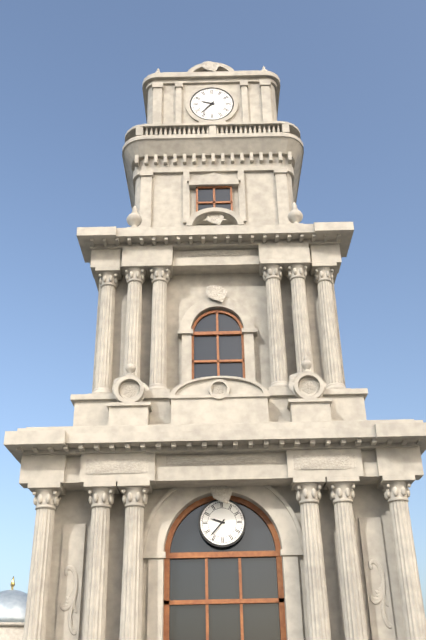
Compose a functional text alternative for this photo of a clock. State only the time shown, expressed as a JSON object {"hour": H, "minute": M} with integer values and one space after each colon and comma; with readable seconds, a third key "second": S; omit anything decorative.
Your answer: {"hour": 9, "minute": 37}
